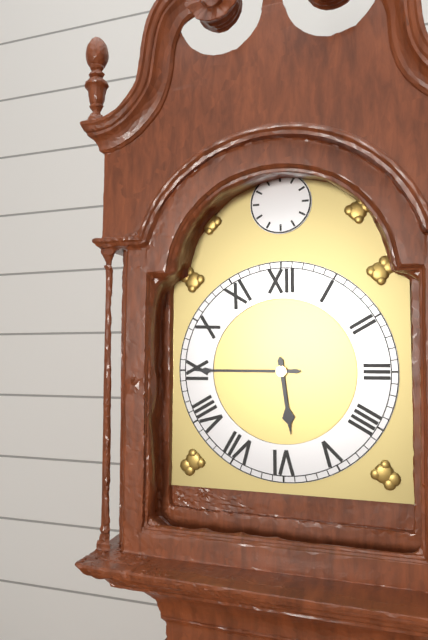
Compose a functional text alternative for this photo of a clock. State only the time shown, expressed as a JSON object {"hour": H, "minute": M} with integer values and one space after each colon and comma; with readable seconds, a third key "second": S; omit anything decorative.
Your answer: {"hour": 5, "minute": 45}
